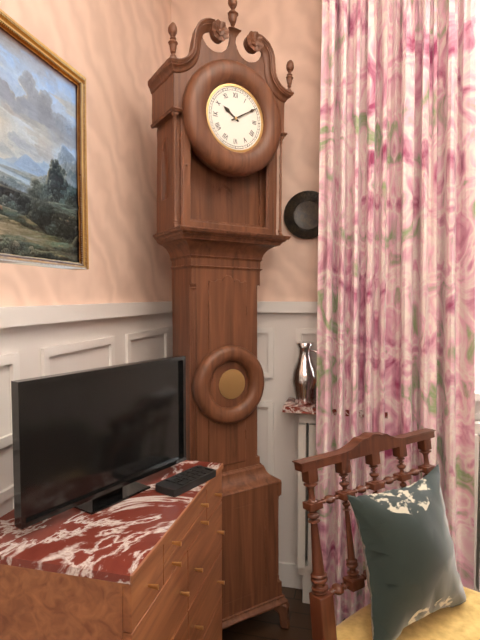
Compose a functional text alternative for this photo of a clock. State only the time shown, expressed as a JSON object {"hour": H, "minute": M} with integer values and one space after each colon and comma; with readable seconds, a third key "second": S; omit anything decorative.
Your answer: {"hour": 10, "minute": 10}
